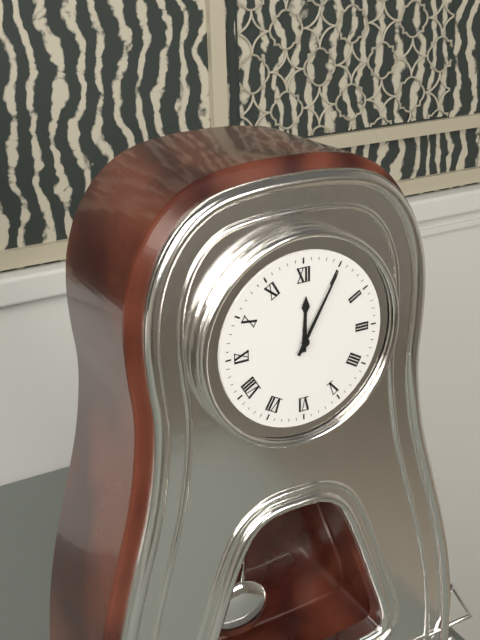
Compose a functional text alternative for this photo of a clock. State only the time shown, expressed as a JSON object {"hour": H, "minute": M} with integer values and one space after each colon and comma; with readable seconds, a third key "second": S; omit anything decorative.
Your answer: {"hour": 12, "minute": 5}
